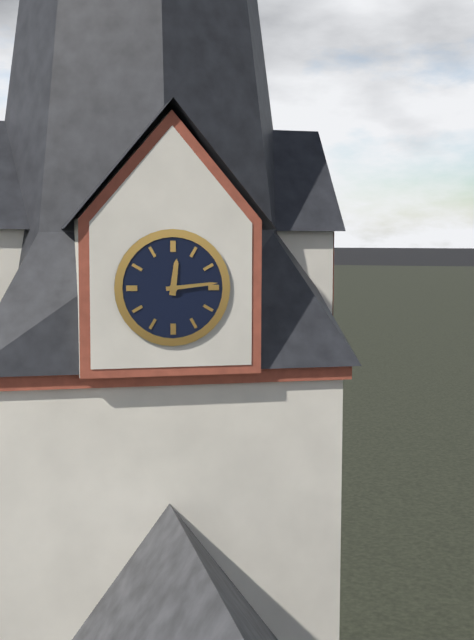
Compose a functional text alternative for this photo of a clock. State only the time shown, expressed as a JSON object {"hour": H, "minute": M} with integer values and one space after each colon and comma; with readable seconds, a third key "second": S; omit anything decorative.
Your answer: {"hour": 12, "minute": 14}
